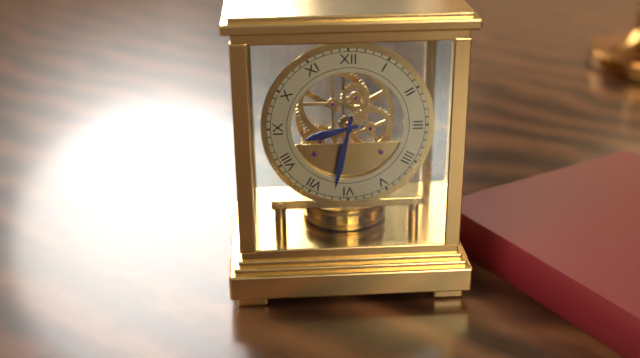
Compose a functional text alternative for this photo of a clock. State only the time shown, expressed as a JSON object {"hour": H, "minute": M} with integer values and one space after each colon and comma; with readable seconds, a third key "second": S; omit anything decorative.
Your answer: {"hour": 8, "minute": 32}
